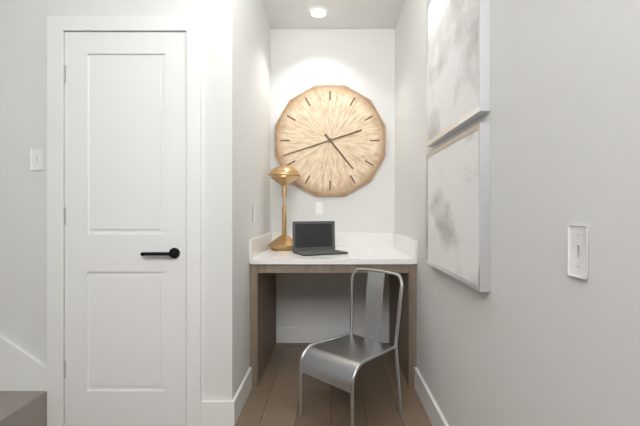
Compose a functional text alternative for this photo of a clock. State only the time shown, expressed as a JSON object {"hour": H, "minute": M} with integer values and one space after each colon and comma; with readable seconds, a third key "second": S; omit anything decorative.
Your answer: {"hour": 4, "minute": 42}
